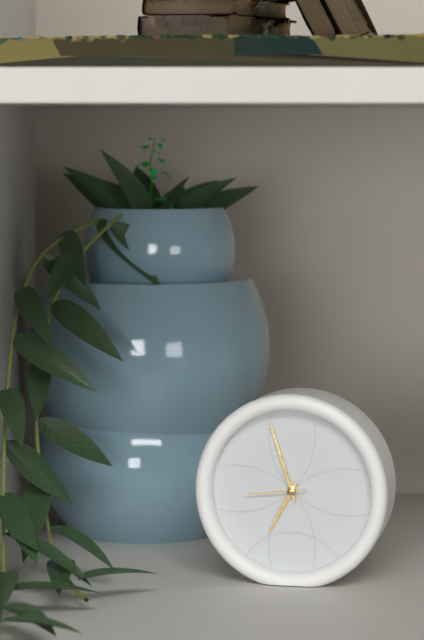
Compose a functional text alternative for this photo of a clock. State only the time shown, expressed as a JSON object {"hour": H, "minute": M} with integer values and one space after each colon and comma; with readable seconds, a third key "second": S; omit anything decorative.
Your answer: {"hour": 6, "minute": 57, "second": 44}
